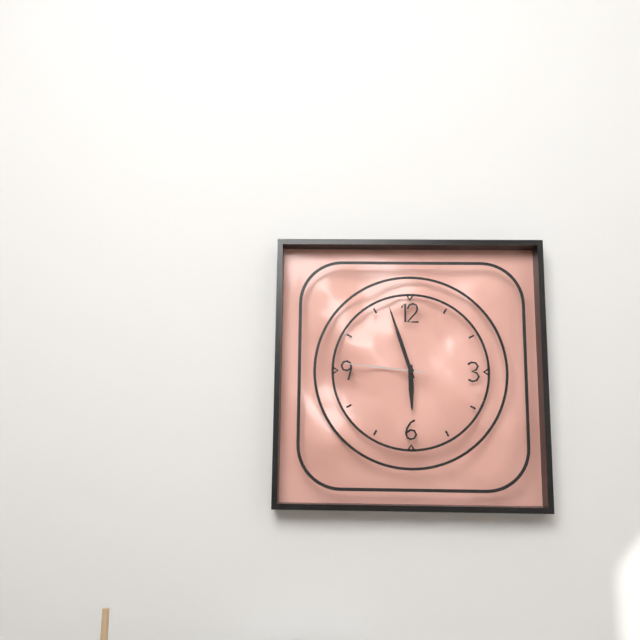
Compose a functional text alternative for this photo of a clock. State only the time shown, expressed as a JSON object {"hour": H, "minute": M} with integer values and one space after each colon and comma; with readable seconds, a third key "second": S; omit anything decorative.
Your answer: {"hour": 5, "minute": 57, "second": 46}
